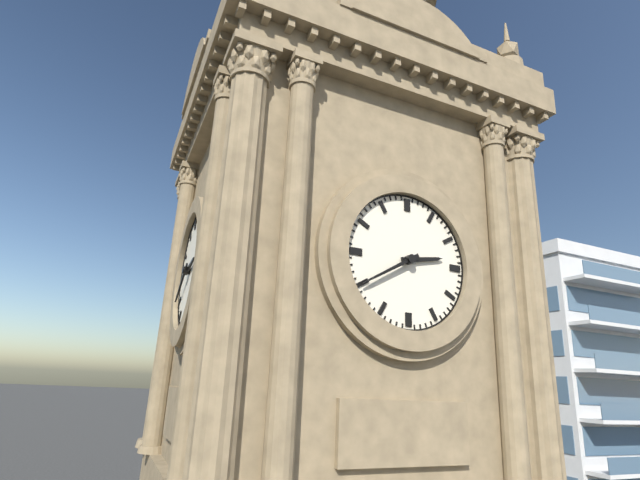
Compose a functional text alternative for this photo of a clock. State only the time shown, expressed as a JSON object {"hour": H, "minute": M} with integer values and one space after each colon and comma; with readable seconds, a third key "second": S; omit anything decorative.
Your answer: {"hour": 2, "minute": 40}
